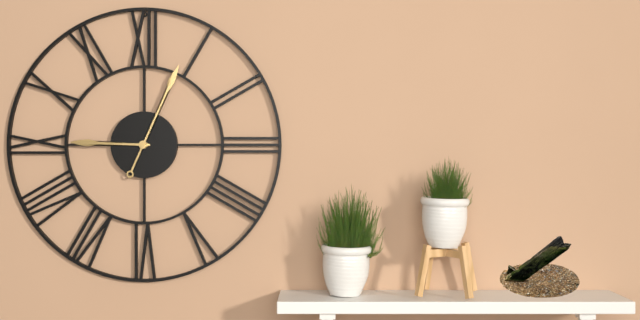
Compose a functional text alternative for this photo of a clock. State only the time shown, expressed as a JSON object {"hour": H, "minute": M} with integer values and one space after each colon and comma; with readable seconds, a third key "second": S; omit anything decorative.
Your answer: {"hour": 9, "minute": 4}
